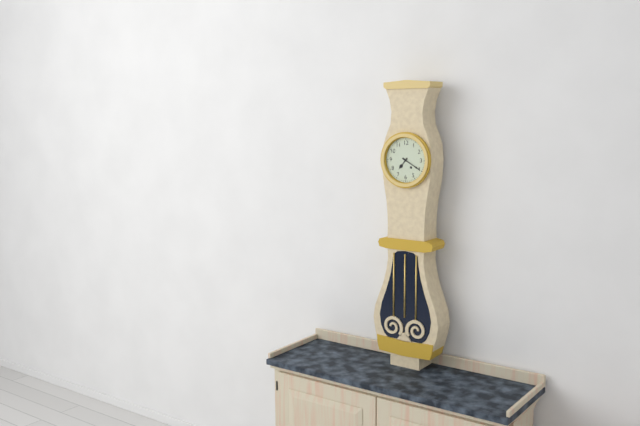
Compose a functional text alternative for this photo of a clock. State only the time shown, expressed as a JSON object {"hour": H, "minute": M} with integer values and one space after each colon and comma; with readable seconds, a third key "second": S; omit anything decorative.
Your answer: {"hour": 7, "minute": 20}
